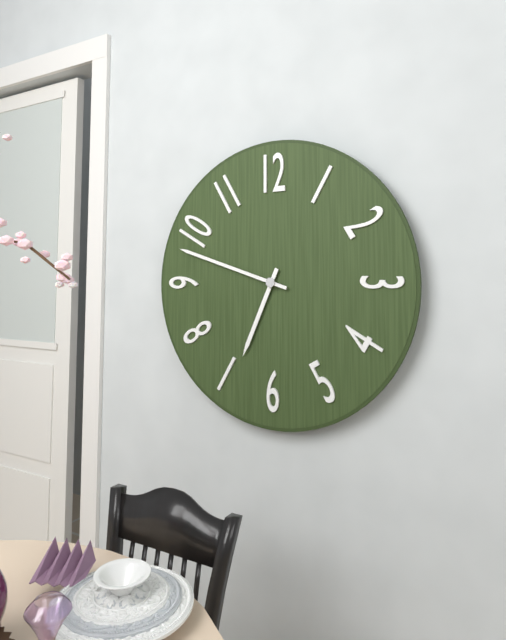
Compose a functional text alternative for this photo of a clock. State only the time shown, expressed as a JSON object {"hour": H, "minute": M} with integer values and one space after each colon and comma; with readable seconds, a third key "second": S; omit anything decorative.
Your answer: {"hour": 6, "minute": 48}
